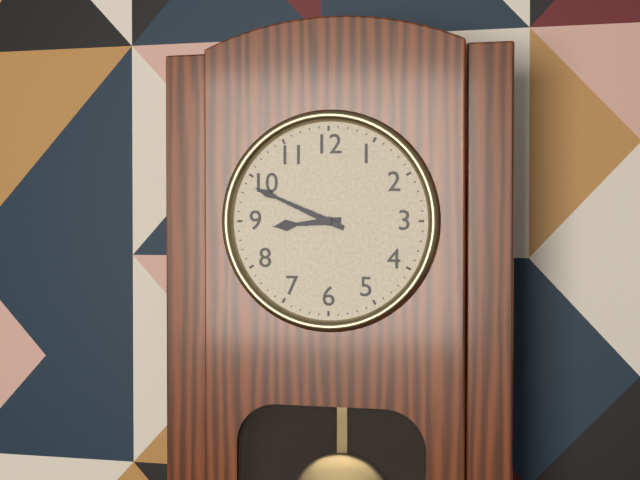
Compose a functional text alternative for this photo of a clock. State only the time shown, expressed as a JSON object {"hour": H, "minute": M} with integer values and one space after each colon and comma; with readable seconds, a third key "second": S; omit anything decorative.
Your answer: {"hour": 8, "minute": 49}
